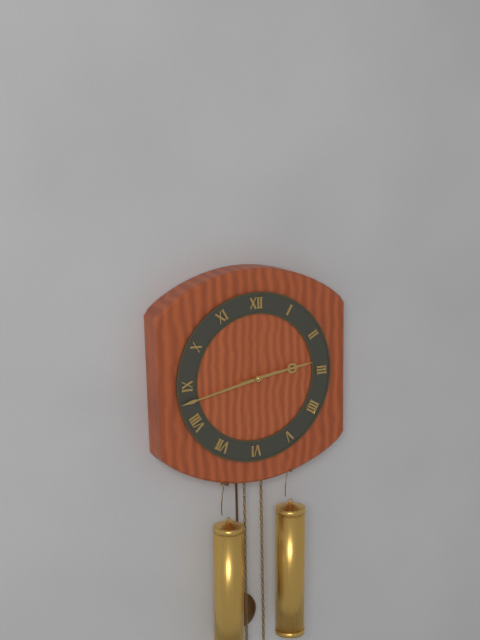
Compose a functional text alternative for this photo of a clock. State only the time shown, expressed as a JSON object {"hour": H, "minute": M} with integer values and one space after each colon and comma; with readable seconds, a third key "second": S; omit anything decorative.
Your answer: {"hour": 2, "minute": 43}
